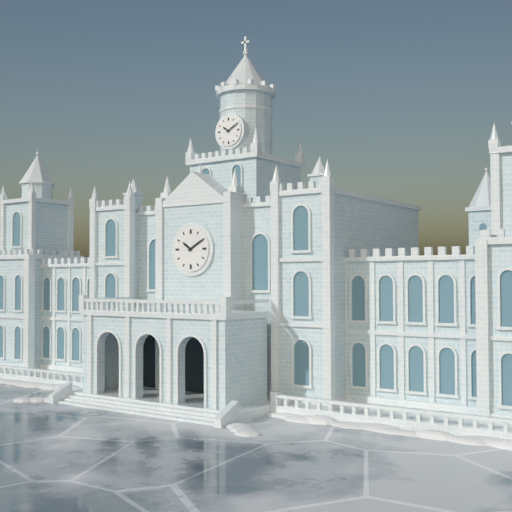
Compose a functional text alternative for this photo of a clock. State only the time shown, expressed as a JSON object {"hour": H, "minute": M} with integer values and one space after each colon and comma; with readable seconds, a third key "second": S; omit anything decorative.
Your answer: {"hour": 10, "minute": 10}
